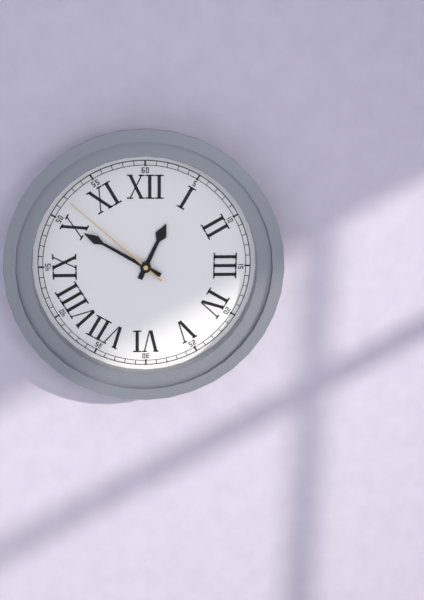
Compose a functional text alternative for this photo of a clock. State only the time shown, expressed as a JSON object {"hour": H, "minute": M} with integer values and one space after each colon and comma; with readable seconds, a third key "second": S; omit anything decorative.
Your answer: {"hour": 12, "minute": 50, "second": 52}
